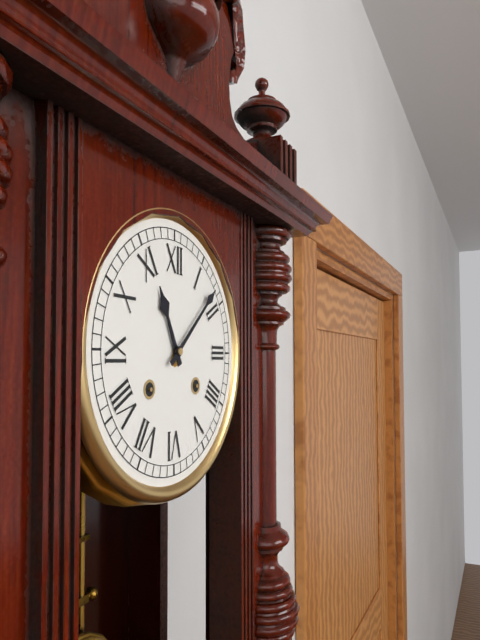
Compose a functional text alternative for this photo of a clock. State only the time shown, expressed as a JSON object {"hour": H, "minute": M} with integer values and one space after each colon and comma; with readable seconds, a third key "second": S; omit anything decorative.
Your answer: {"hour": 11, "minute": 8}
